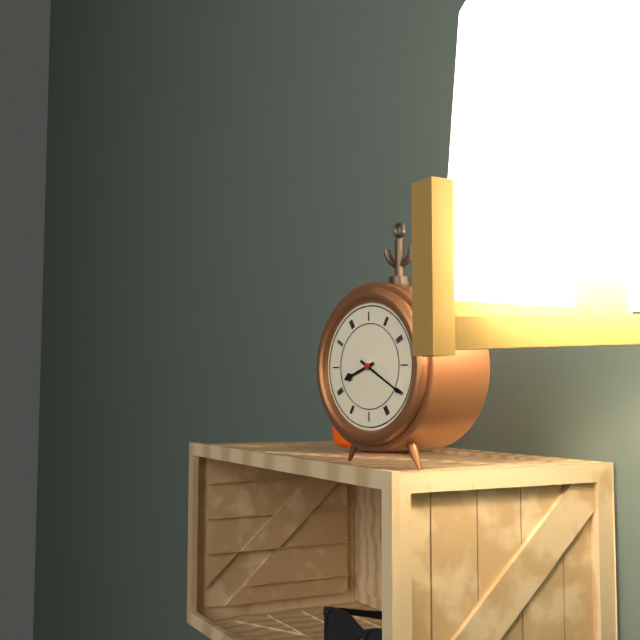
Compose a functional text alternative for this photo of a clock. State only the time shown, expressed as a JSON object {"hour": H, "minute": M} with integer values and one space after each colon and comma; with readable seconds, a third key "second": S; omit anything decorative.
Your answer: {"hour": 8, "minute": 20}
